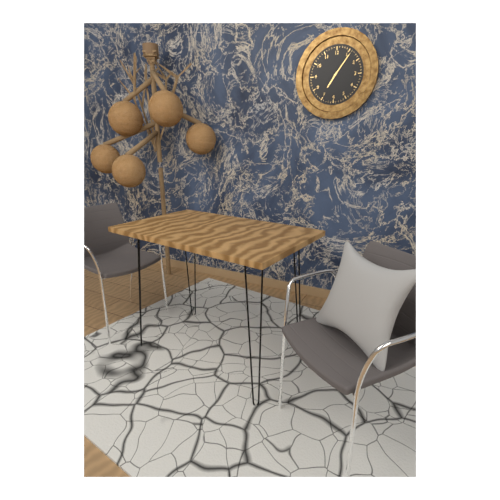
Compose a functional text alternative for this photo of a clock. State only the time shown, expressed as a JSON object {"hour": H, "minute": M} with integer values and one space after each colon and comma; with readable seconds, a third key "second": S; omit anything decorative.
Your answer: {"hour": 7, "minute": 6}
